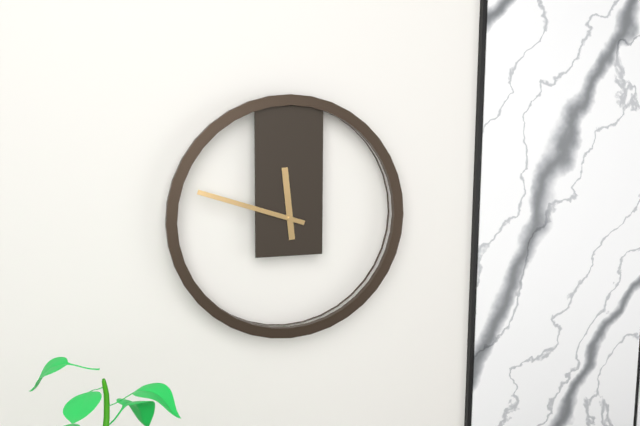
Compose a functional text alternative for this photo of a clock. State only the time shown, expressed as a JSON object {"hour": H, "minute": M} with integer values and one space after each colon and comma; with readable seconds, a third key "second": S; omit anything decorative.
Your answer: {"hour": 11, "minute": 48}
